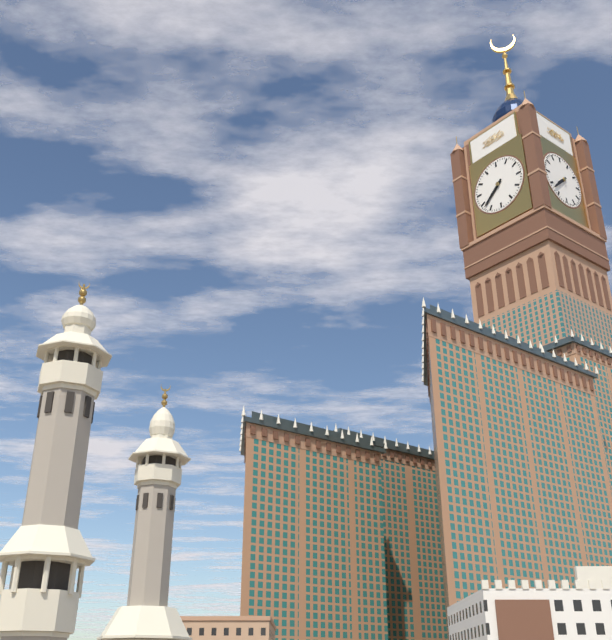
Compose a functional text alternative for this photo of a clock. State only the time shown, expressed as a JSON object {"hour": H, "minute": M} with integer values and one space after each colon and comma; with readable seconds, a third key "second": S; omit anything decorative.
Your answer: {"hour": 7, "minute": 38}
